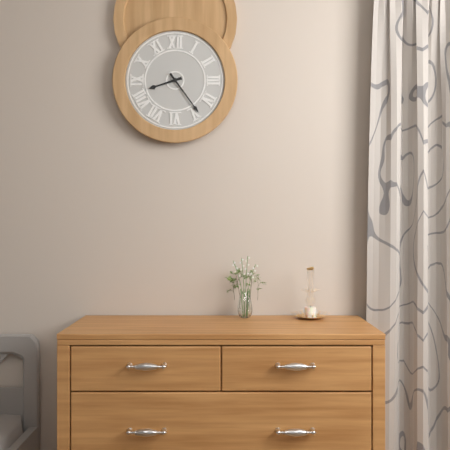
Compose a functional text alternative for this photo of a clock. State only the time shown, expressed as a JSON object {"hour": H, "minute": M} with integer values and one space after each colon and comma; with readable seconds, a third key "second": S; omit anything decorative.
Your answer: {"hour": 8, "minute": 24}
